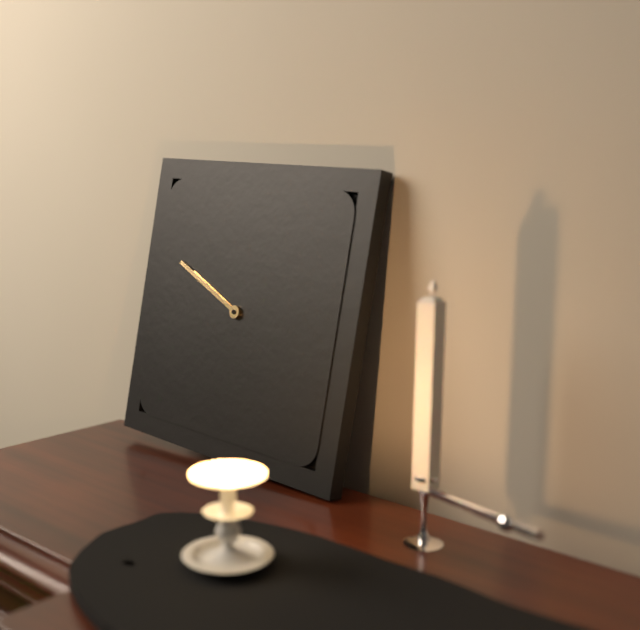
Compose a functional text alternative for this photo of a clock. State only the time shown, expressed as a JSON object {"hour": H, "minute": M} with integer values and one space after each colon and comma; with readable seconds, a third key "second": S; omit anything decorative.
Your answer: {"hour": 9, "minute": 49}
